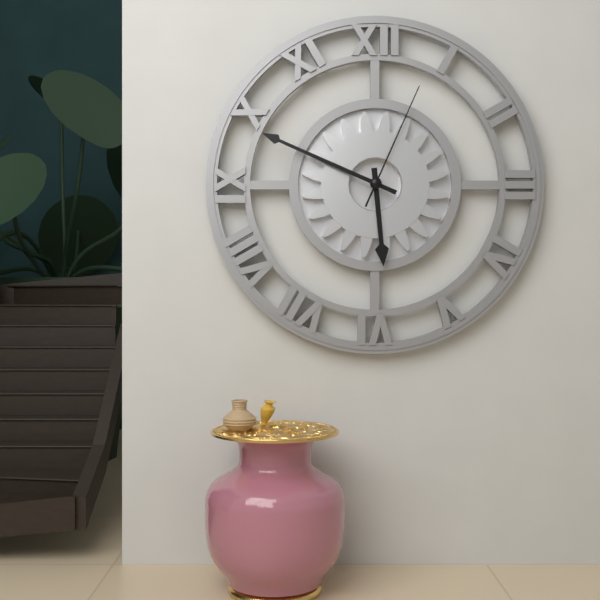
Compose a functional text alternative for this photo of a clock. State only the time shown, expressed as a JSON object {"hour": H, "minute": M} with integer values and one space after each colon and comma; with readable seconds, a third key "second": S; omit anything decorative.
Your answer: {"hour": 5, "minute": 49, "second": 4}
